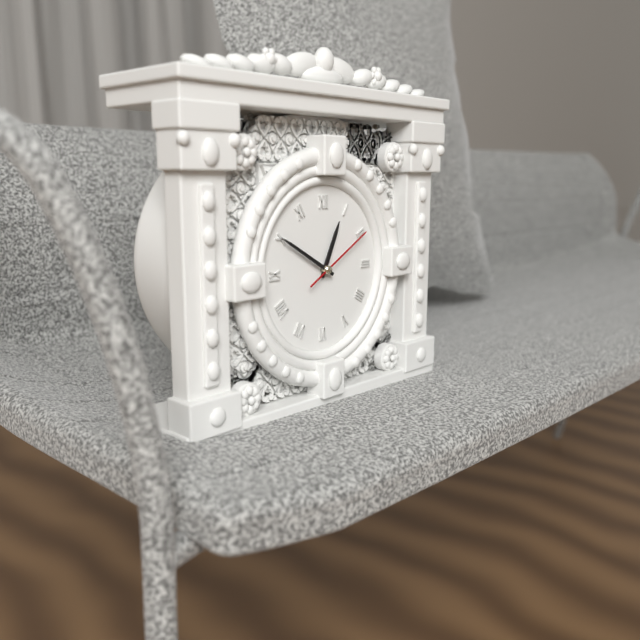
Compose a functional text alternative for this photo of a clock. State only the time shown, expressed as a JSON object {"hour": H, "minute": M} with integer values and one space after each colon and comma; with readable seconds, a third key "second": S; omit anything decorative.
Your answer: {"hour": 12, "minute": 50, "second": 10}
